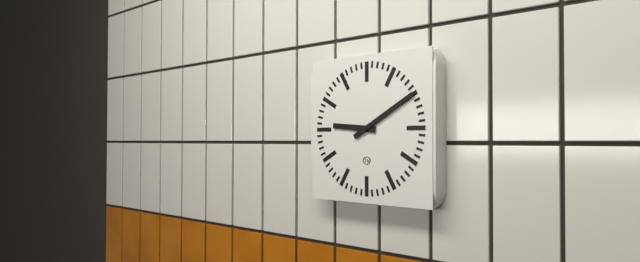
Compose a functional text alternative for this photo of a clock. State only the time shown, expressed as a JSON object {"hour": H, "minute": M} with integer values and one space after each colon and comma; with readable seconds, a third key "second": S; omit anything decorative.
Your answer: {"hour": 9, "minute": 10}
